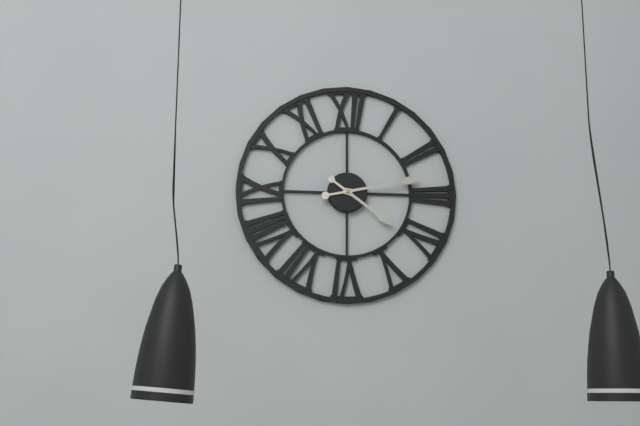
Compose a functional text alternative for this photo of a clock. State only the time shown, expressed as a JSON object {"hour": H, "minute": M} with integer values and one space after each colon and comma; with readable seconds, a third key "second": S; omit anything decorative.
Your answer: {"hour": 4, "minute": 13}
